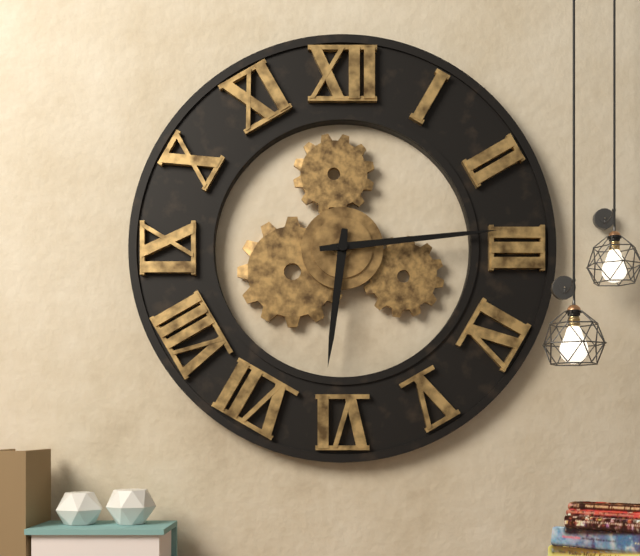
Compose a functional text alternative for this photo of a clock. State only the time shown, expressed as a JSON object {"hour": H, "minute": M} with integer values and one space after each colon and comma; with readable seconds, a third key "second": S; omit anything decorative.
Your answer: {"hour": 6, "minute": 14}
